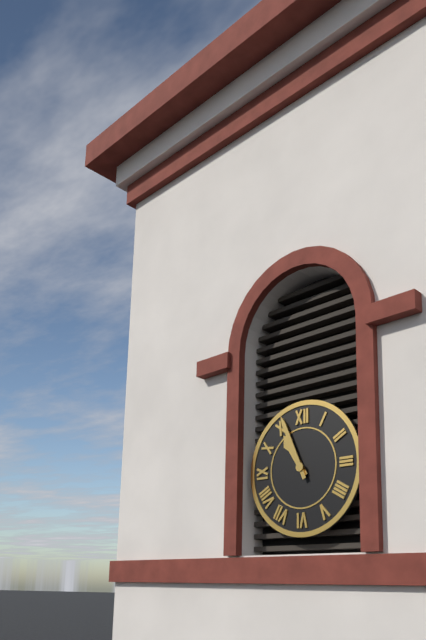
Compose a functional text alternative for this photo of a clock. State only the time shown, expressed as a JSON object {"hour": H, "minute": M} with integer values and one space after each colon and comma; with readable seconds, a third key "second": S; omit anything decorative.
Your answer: {"hour": 10, "minute": 56}
